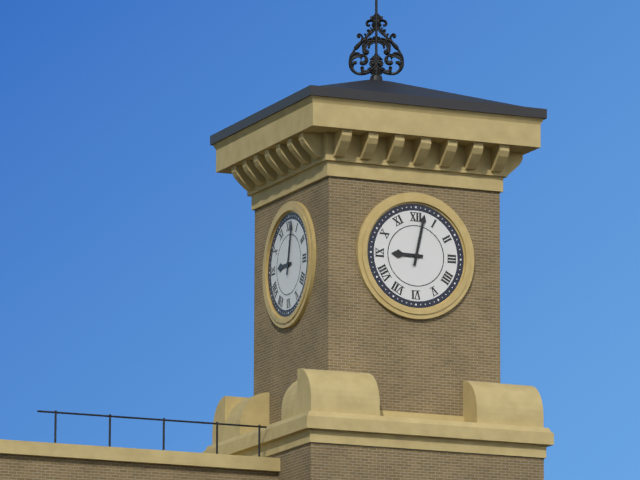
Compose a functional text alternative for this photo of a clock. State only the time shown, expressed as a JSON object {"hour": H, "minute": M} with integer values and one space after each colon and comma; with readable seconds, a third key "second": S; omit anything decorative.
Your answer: {"hour": 9, "minute": 2}
